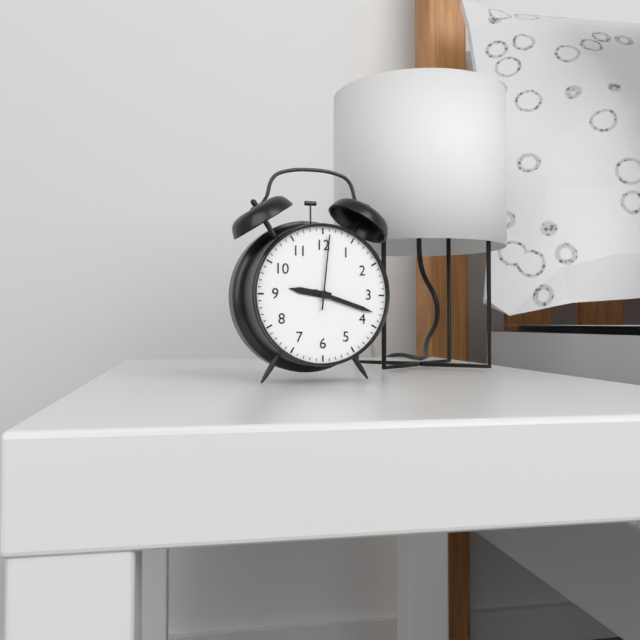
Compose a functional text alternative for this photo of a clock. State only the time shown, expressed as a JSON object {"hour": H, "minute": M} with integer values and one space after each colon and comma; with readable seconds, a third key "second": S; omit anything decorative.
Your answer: {"hour": 9, "minute": 18, "second": 1}
